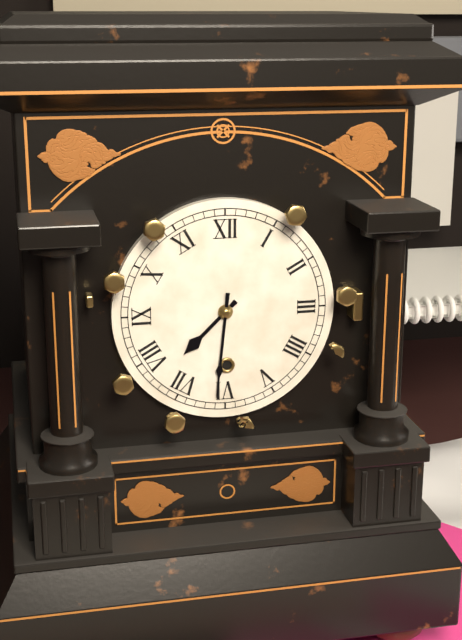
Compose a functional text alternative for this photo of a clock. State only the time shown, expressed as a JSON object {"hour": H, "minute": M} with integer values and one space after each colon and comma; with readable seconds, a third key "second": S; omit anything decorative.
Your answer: {"hour": 7, "minute": 31}
